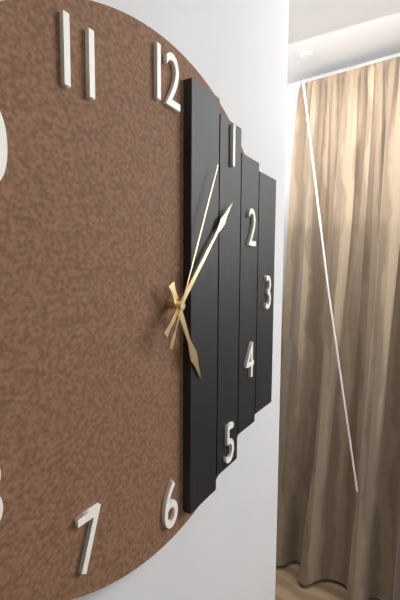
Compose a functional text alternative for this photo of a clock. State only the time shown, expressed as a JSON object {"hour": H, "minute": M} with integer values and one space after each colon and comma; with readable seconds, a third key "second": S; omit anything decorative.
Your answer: {"hour": 5, "minute": 7, "second": 4}
